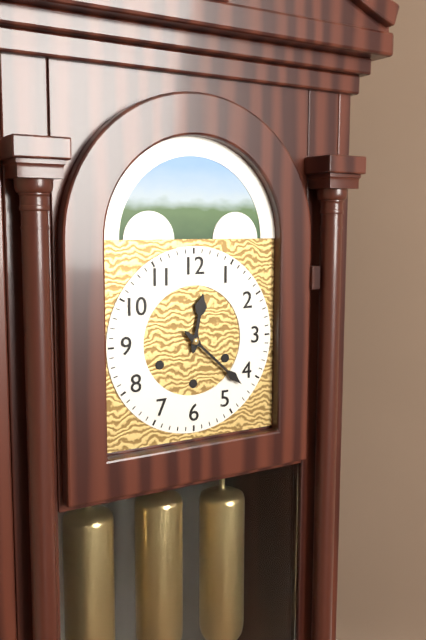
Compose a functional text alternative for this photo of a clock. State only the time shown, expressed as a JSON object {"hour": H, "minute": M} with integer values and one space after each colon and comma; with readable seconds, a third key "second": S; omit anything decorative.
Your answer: {"hour": 12, "minute": 22}
